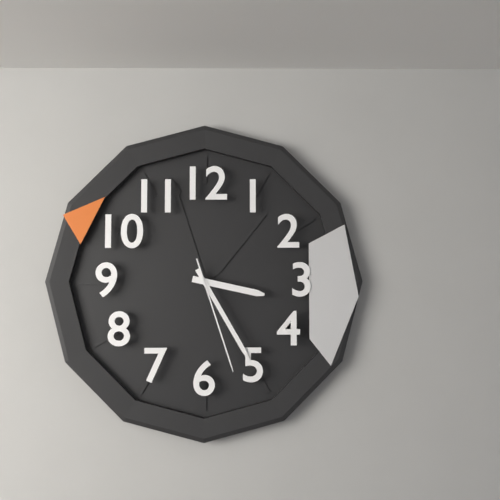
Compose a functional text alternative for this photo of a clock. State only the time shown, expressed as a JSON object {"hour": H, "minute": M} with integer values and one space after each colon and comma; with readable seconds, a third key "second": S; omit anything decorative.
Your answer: {"hour": 3, "minute": 25, "second": 27}
